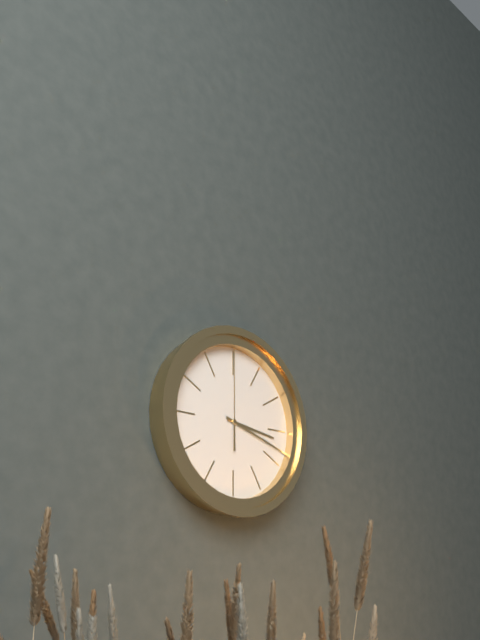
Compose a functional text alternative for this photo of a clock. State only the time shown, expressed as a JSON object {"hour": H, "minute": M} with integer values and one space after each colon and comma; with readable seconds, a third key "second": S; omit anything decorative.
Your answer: {"hour": 3, "minute": 18, "second": 0}
